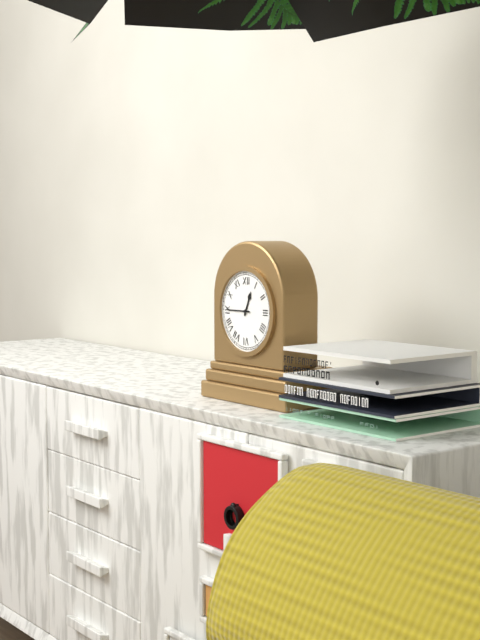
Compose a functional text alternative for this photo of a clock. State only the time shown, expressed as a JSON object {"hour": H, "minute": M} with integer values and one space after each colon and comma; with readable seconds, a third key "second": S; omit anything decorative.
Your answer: {"hour": 12, "minute": 45}
